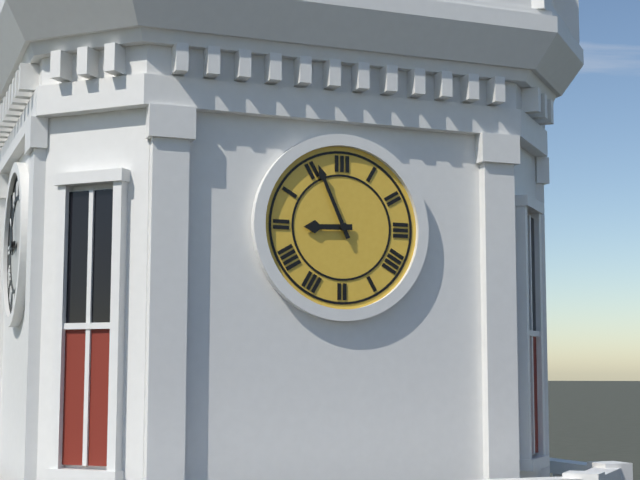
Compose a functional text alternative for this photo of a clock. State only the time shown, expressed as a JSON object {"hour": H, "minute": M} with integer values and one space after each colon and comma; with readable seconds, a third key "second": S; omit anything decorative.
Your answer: {"hour": 8, "minute": 56}
